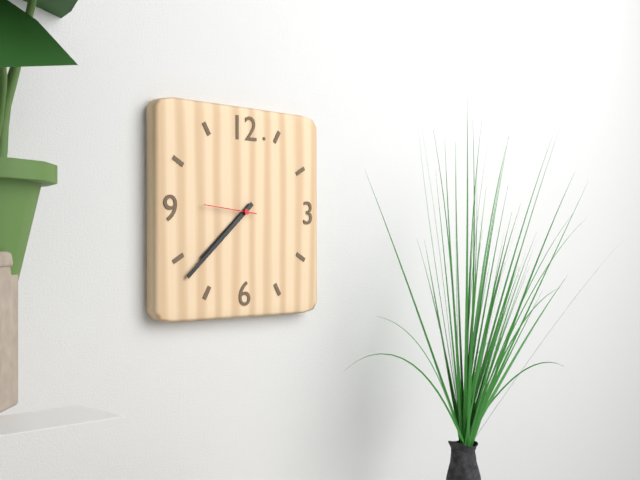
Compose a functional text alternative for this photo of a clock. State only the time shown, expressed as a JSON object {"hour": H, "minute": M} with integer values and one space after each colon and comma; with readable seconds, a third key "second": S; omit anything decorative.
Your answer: {"hour": 7, "minute": 38, "second": 46}
